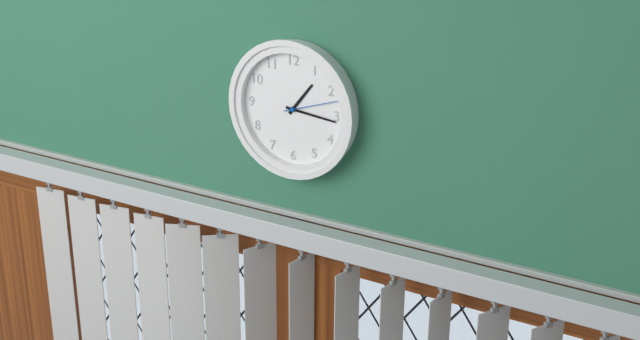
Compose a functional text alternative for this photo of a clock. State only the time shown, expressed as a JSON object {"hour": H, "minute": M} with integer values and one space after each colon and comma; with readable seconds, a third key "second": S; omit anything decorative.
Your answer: {"hour": 1, "minute": 16, "second": 12}
